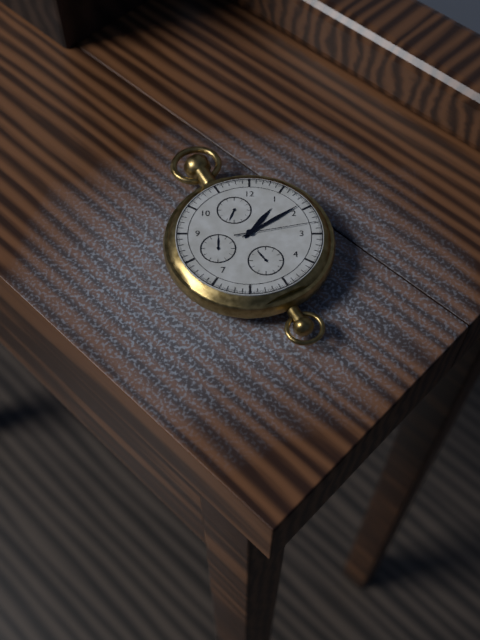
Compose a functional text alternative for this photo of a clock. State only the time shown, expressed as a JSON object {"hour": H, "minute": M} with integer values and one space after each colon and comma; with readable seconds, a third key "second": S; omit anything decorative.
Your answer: {"hour": 1, "minute": 9, "second": 13}
